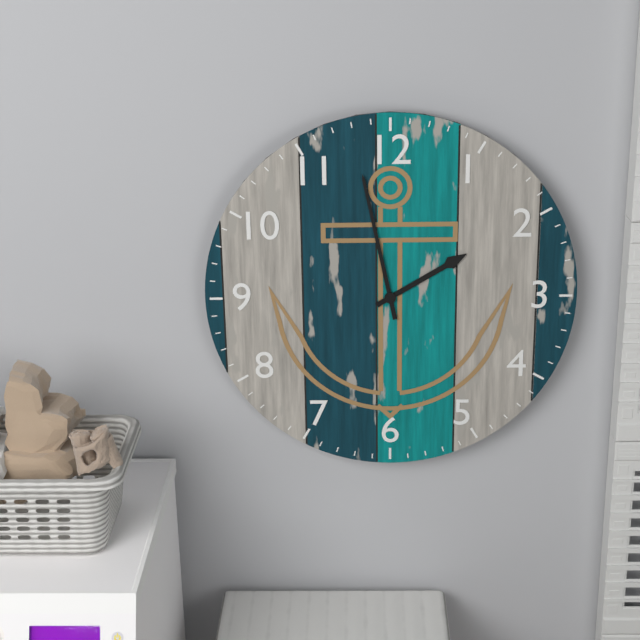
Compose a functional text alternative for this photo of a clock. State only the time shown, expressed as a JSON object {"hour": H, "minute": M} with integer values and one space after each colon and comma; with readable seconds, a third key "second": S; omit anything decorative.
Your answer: {"hour": 1, "minute": 58}
